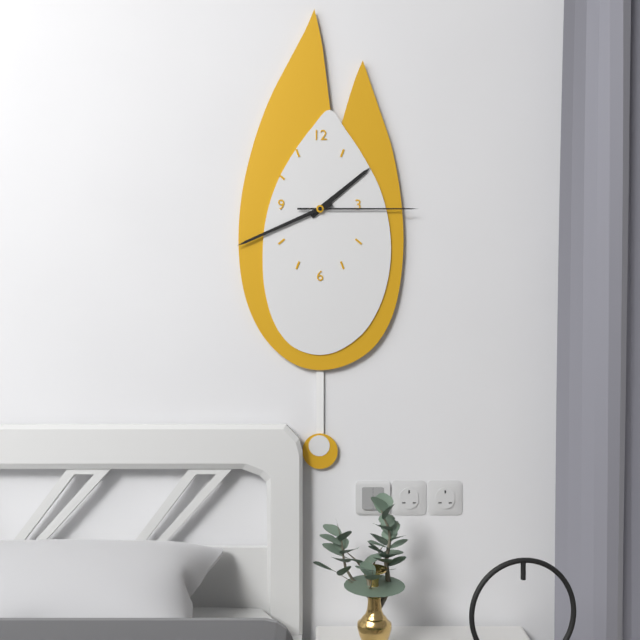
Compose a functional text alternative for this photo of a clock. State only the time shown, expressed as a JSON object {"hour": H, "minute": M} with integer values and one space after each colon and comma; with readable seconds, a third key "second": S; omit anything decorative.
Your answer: {"hour": 1, "minute": 41, "second": 15}
